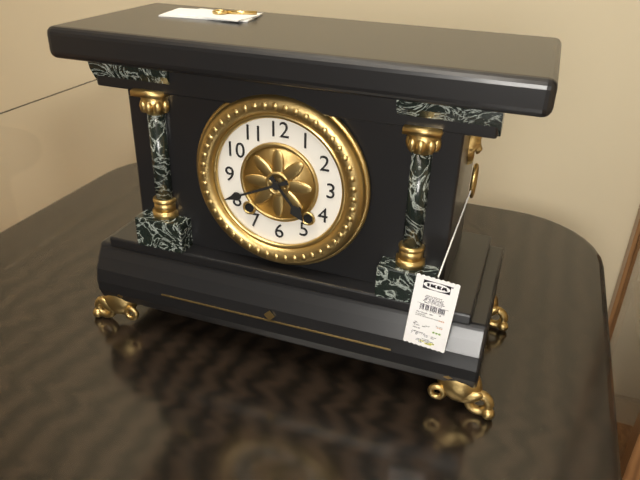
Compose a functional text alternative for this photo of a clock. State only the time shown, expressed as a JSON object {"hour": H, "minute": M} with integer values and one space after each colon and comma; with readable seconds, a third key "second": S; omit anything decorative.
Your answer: {"hour": 4, "minute": 41}
